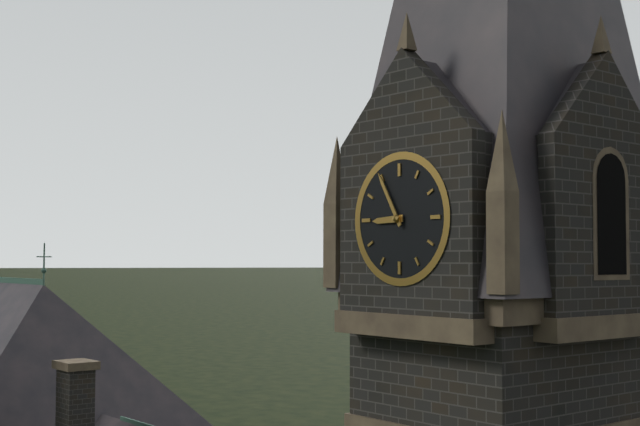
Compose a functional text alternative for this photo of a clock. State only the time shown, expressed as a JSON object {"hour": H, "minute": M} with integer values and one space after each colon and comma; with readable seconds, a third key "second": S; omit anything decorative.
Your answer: {"hour": 8, "minute": 55}
